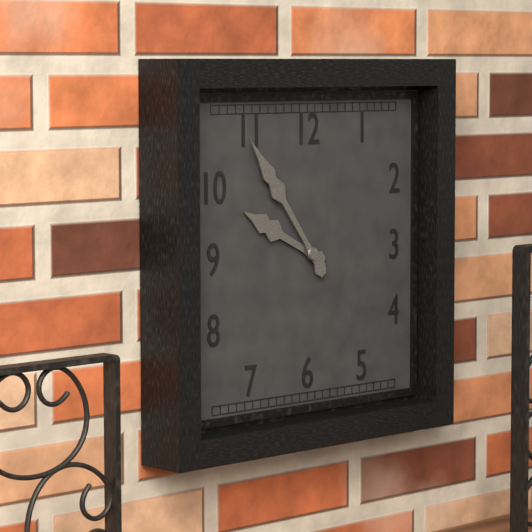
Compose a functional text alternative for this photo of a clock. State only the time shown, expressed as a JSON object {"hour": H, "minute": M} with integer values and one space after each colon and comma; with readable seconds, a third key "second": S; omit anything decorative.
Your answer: {"hour": 9, "minute": 54}
